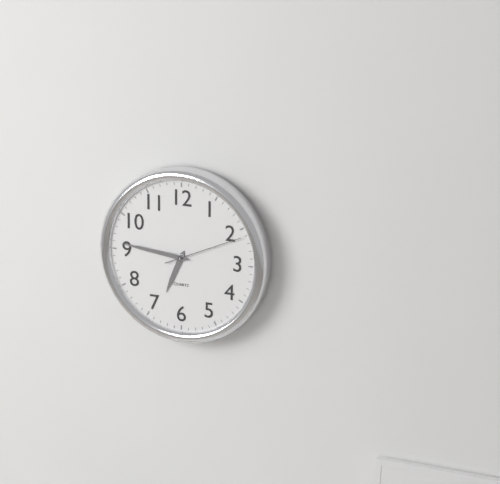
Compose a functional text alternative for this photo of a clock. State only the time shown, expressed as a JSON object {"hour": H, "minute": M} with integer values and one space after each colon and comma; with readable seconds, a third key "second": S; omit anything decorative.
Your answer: {"hour": 6, "minute": 46, "second": 11}
